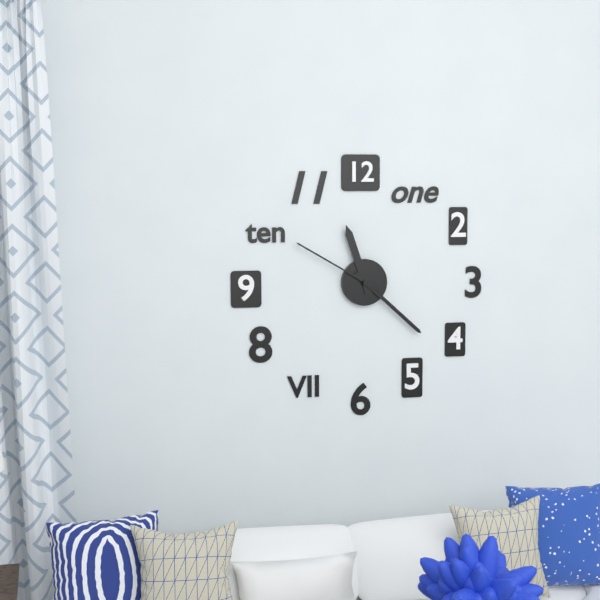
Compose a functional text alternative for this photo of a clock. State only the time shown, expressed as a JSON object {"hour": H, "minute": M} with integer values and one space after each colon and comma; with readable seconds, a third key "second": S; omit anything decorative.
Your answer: {"hour": 11, "minute": 22, "second": 50}
